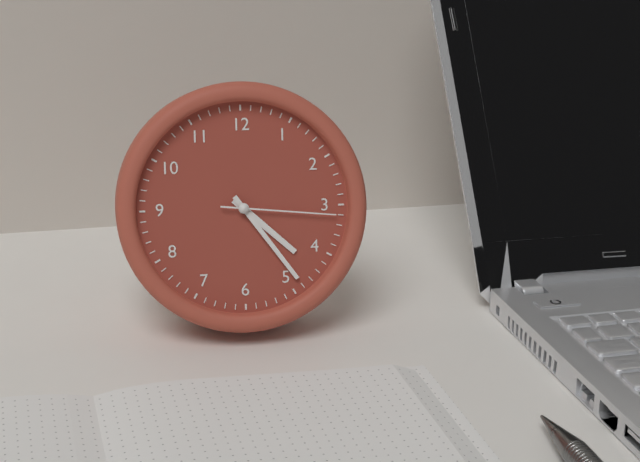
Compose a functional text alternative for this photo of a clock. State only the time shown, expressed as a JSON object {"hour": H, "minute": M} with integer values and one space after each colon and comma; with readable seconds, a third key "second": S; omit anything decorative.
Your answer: {"hour": 4, "minute": 24, "second": 16}
